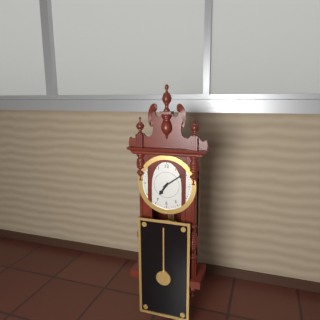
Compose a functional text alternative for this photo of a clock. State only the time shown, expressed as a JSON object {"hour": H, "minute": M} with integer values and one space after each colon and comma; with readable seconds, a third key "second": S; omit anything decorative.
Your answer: {"hour": 7, "minute": 9}
